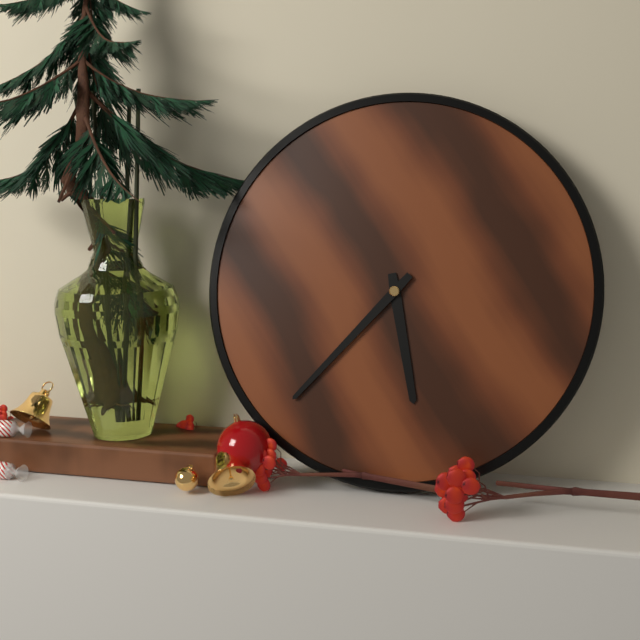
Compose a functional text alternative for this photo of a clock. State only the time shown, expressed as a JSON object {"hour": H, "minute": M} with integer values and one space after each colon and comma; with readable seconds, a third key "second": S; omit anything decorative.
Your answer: {"hour": 5, "minute": 37}
